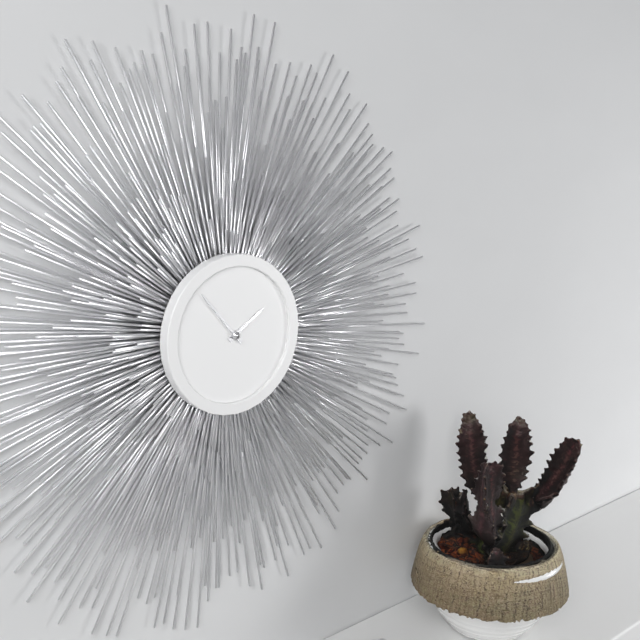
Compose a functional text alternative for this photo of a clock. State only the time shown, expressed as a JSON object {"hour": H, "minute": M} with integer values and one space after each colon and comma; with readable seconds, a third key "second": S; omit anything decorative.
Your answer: {"hour": 1, "minute": 53}
